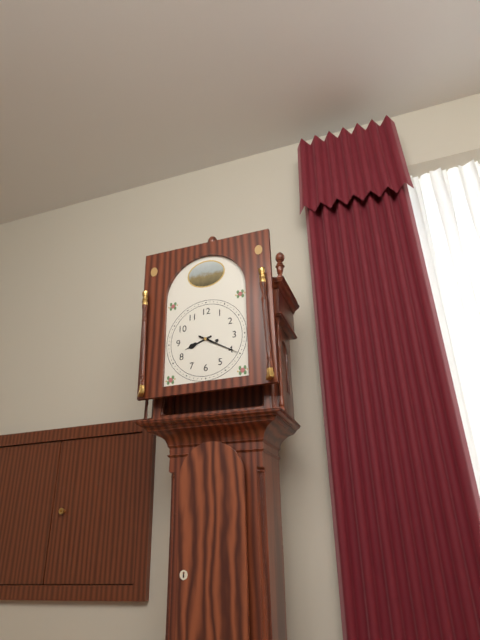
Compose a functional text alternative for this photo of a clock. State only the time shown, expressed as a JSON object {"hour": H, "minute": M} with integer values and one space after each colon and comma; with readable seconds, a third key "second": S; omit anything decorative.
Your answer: {"hour": 8, "minute": 20}
